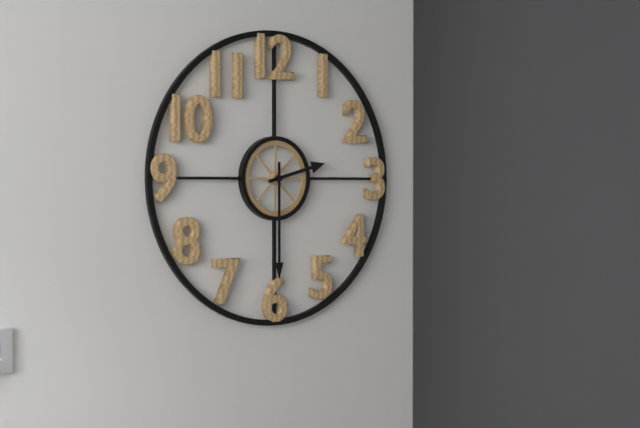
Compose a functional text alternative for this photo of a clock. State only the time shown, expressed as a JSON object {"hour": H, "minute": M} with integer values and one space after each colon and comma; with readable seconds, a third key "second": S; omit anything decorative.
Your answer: {"hour": 2, "minute": 30}
